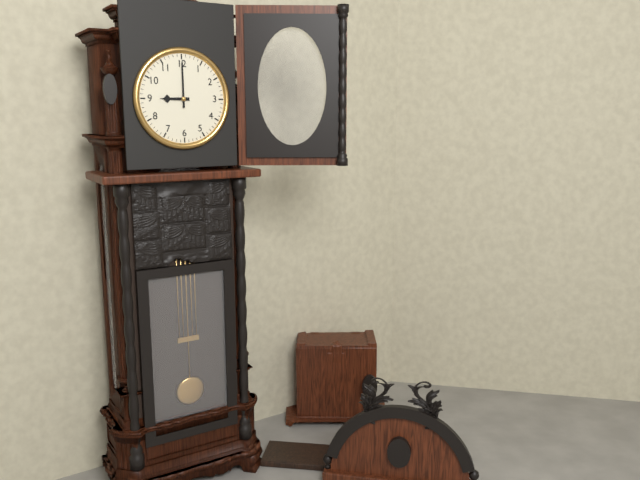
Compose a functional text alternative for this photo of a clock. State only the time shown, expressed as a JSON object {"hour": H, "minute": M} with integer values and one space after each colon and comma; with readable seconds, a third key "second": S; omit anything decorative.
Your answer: {"hour": 9, "minute": 0}
